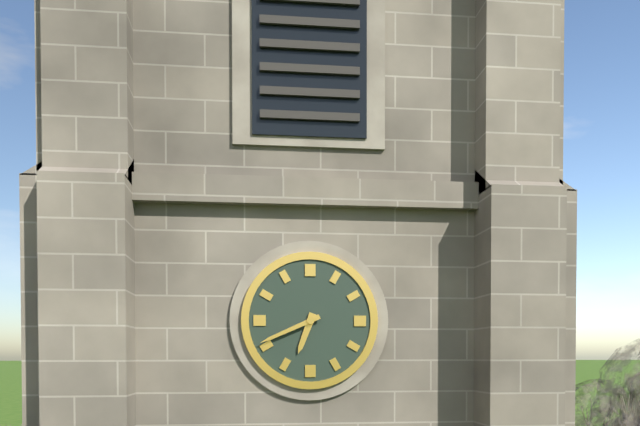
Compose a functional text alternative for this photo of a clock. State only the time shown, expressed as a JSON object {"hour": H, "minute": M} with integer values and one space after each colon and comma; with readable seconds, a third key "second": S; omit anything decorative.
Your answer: {"hour": 6, "minute": 41}
